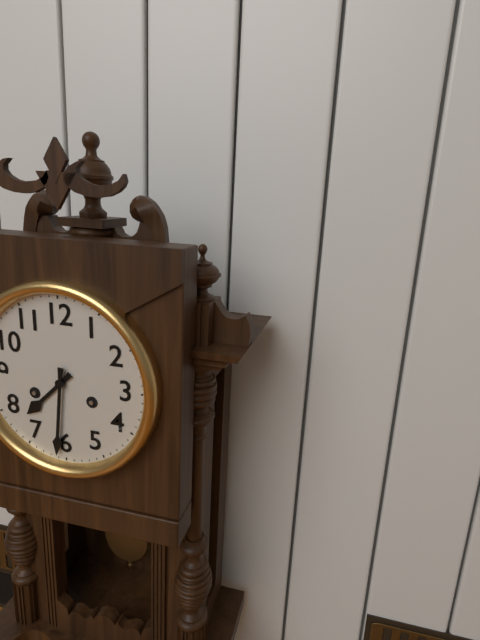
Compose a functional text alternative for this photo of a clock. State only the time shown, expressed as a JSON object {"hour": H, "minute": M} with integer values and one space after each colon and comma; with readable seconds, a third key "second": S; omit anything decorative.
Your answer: {"hour": 7, "minute": 31}
